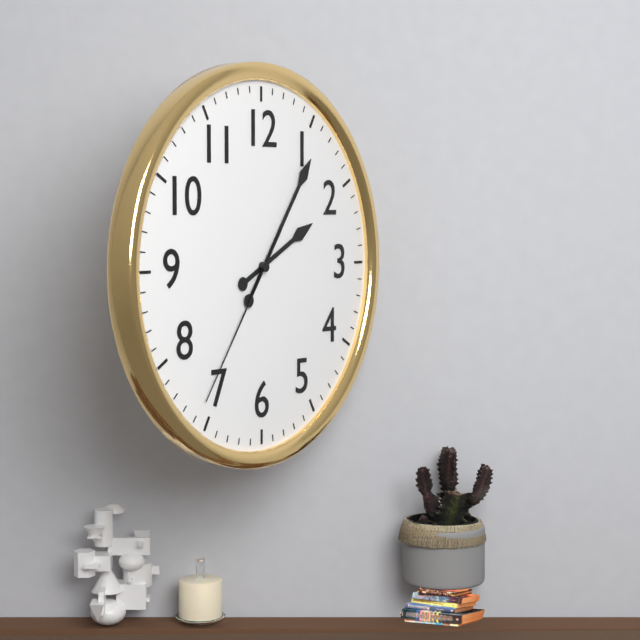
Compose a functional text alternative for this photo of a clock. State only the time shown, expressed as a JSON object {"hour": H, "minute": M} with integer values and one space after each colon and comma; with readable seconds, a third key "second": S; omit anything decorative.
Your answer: {"hour": 2, "minute": 6, "second": 36}
